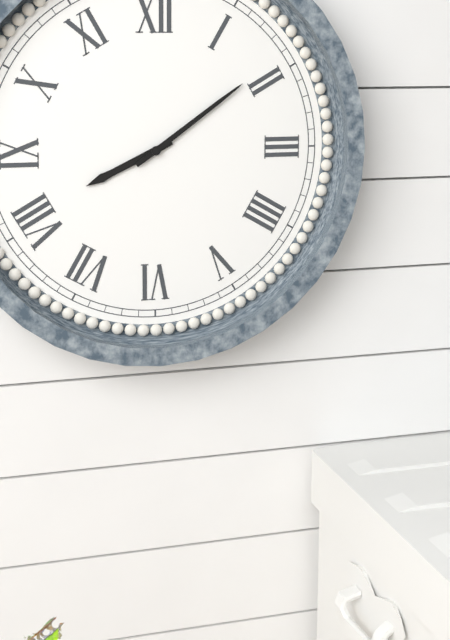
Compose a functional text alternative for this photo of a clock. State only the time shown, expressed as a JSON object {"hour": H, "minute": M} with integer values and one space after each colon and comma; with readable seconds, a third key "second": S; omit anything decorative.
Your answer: {"hour": 8, "minute": 9}
